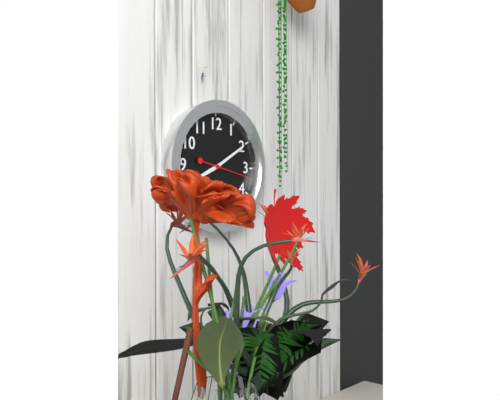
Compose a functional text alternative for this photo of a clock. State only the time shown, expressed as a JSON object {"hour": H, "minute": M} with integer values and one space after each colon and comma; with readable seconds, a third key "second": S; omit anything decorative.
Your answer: {"hour": 8, "minute": 10}
